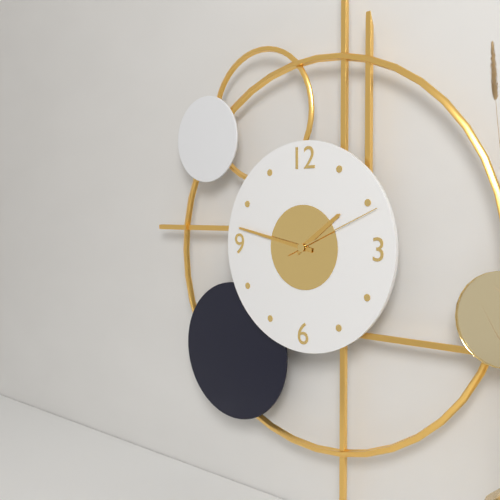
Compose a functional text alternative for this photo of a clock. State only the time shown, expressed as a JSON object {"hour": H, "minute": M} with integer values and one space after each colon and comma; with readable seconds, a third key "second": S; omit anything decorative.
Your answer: {"hour": 1, "minute": 47, "second": 11}
